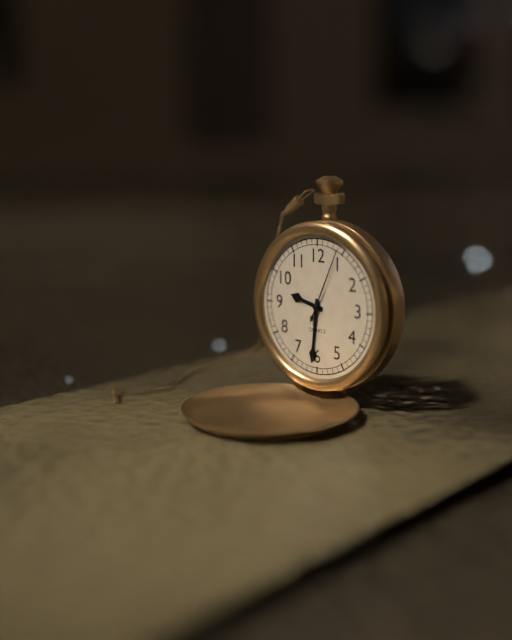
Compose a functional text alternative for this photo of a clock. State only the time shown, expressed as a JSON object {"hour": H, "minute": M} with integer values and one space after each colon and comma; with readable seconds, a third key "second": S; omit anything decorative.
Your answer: {"hour": 9, "minute": 31, "second": 4}
